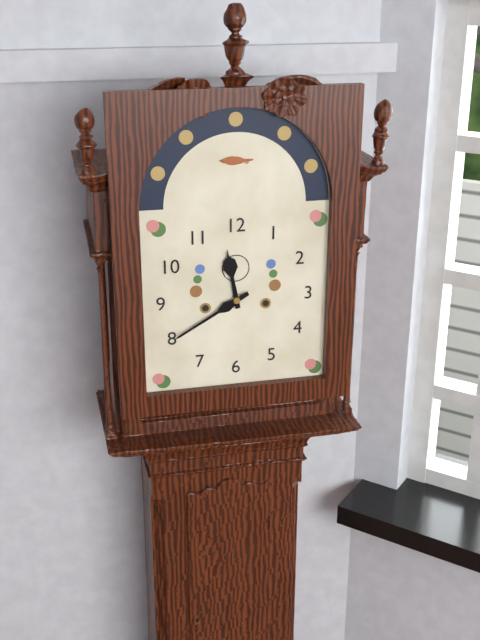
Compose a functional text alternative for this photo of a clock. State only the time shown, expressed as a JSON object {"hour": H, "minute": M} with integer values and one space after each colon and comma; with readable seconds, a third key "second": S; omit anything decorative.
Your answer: {"hour": 11, "minute": 40}
